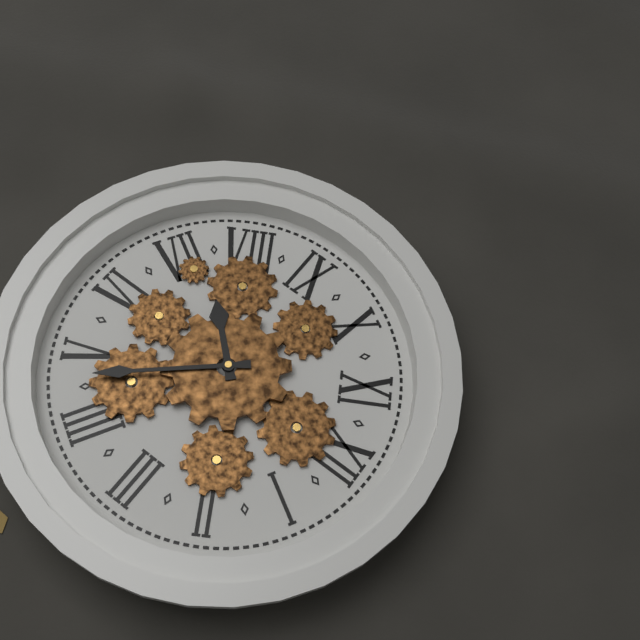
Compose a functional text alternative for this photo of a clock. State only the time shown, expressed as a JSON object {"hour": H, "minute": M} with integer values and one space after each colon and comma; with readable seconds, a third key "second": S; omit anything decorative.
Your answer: {"hour": 7, "minute": 23}
